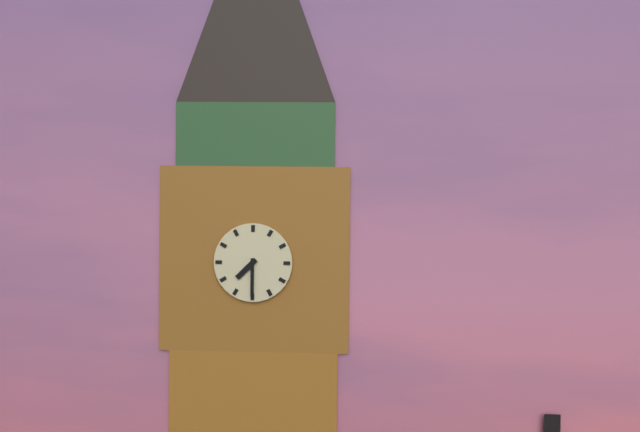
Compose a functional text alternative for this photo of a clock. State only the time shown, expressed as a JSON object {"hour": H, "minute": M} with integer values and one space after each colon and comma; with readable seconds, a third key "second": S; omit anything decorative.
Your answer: {"hour": 7, "minute": 30}
